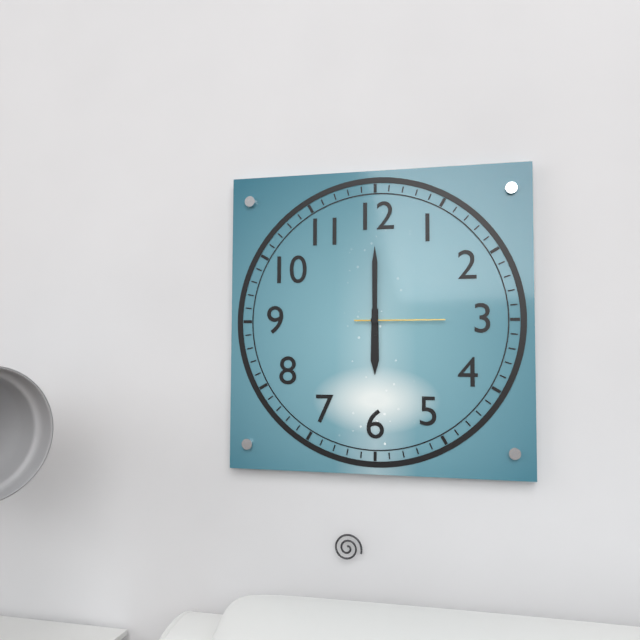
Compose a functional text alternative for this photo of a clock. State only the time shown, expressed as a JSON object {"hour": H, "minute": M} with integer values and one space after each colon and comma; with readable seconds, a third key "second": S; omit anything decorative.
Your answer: {"hour": 6, "minute": 0, "second": 15}
